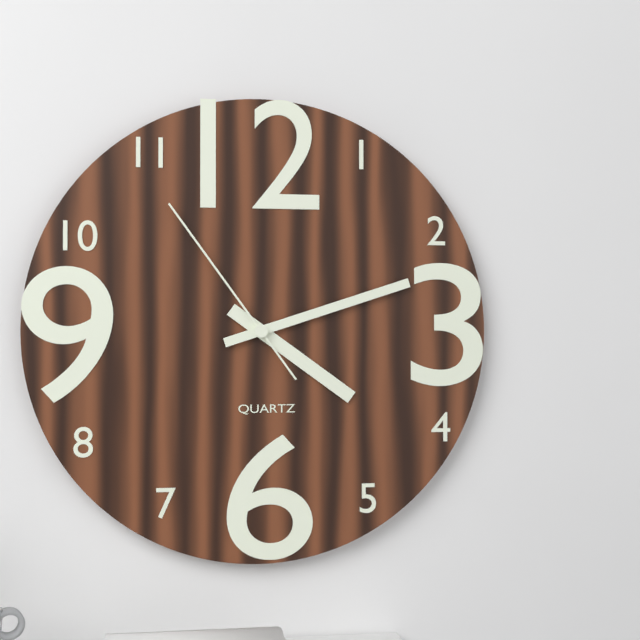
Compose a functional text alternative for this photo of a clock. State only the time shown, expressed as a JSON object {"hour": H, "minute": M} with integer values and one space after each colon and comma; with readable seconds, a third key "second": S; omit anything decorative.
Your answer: {"hour": 4, "minute": 12, "second": 54}
